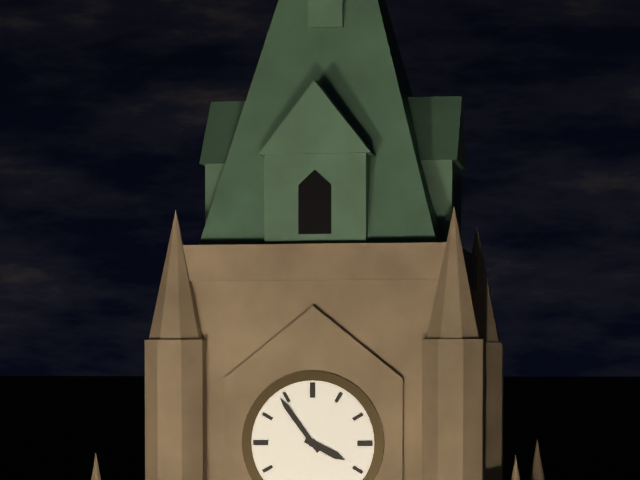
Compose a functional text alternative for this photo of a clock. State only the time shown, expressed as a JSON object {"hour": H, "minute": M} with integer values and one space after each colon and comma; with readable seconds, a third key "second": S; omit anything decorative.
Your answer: {"hour": 3, "minute": 54}
